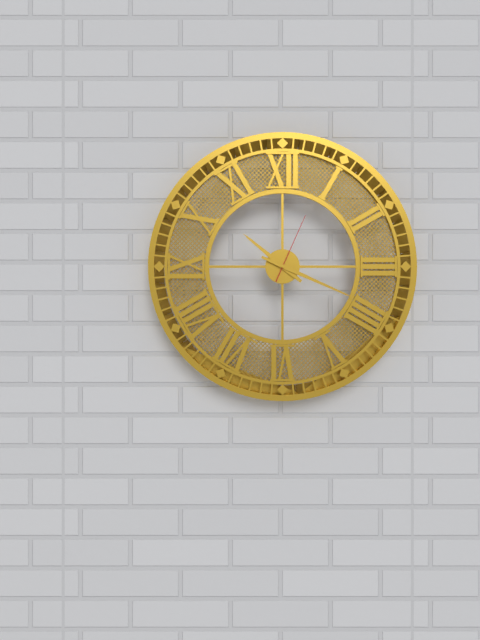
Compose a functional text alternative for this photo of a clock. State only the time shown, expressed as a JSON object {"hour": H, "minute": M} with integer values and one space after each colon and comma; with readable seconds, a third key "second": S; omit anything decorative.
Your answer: {"hour": 10, "minute": 19, "second": 4}
